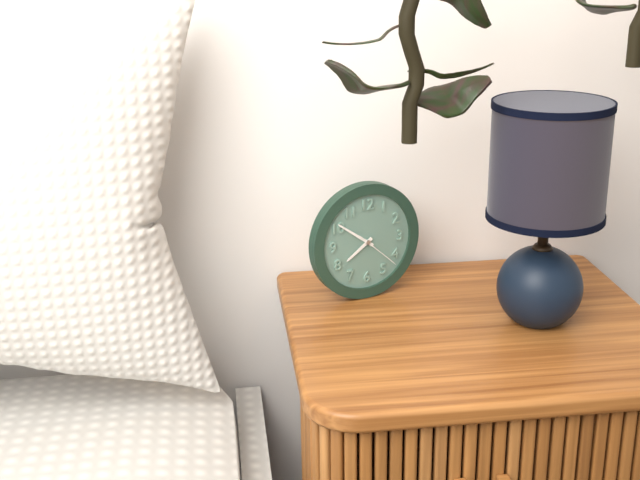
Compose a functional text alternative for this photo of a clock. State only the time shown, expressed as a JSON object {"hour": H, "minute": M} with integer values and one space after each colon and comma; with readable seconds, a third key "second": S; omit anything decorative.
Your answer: {"hour": 7, "minute": 51, "second": 22}
